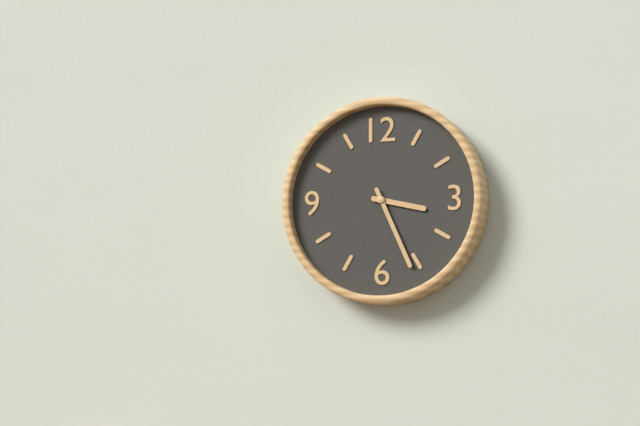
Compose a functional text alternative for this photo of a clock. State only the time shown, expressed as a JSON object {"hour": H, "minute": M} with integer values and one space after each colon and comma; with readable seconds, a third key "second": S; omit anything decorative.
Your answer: {"hour": 3, "minute": 26}
